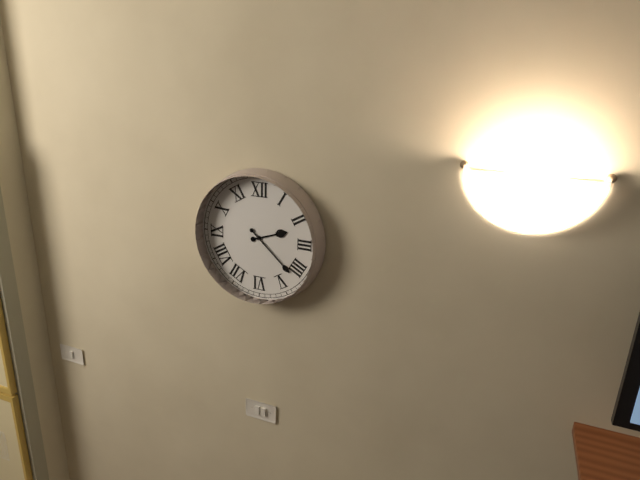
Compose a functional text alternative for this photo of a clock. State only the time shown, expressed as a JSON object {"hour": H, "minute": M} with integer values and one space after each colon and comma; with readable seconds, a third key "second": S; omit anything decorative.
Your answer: {"hour": 2, "minute": 22}
